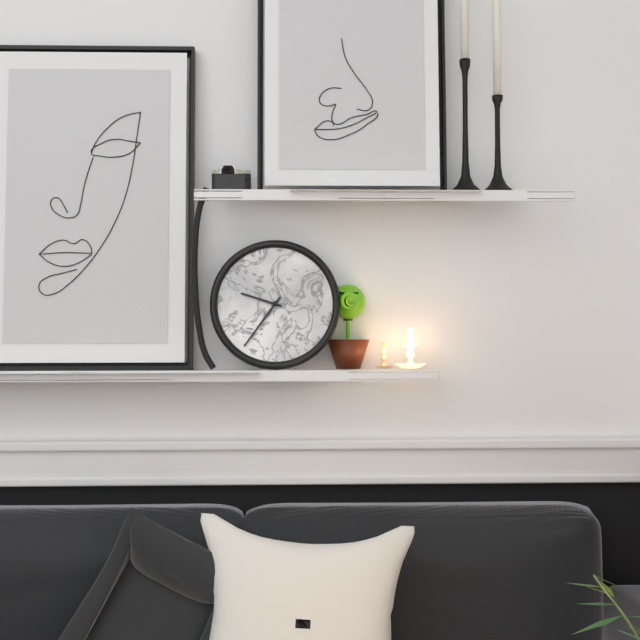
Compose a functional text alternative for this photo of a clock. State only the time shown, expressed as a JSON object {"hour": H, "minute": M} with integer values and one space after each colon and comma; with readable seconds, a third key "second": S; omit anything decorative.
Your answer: {"hour": 9, "minute": 36}
